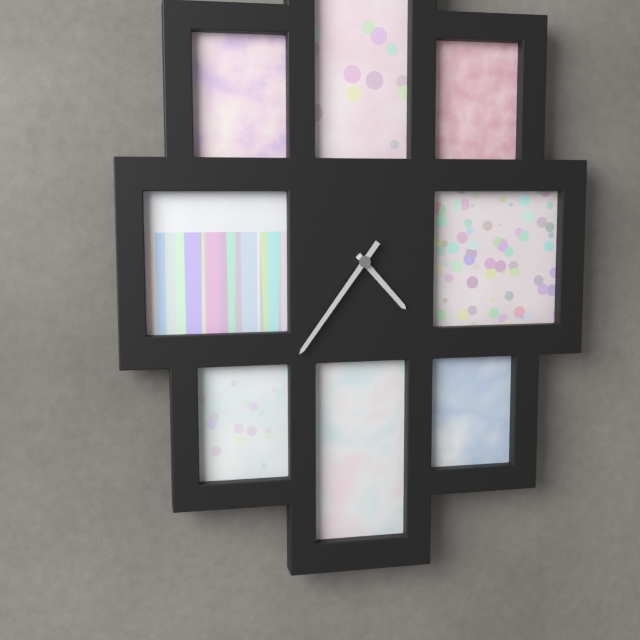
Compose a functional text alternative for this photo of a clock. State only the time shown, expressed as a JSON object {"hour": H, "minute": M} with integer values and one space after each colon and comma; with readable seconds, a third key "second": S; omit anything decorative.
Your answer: {"hour": 4, "minute": 36}
